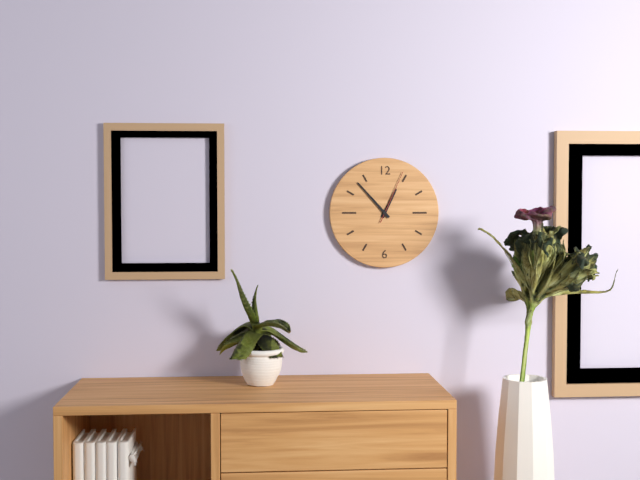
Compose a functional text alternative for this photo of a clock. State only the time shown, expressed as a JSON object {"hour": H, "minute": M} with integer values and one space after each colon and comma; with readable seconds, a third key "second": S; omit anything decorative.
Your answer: {"hour": 12, "minute": 53, "second": 4}
